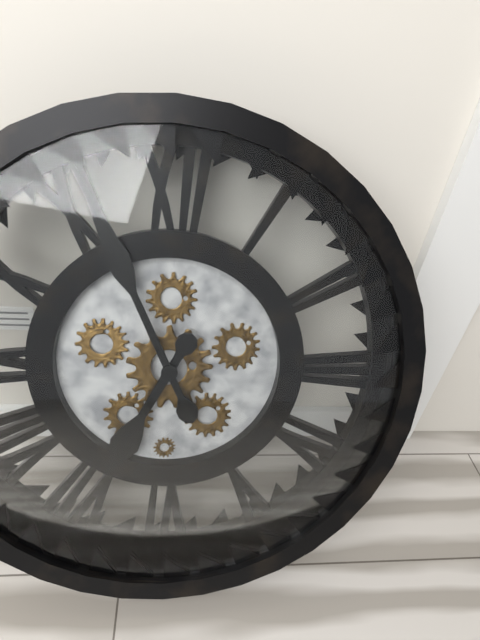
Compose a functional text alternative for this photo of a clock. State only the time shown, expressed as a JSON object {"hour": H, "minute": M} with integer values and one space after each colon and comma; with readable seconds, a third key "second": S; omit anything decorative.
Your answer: {"hour": 6, "minute": 56}
